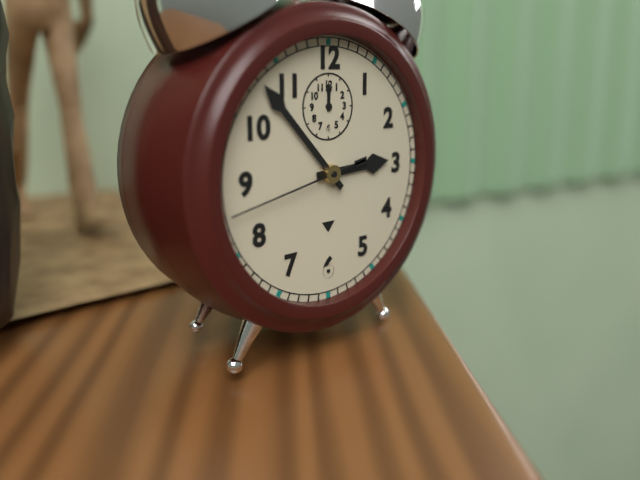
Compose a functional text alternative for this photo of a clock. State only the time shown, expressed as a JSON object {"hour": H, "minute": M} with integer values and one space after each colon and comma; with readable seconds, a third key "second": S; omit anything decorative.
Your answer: {"hour": 2, "minute": 53, "second": 43}
